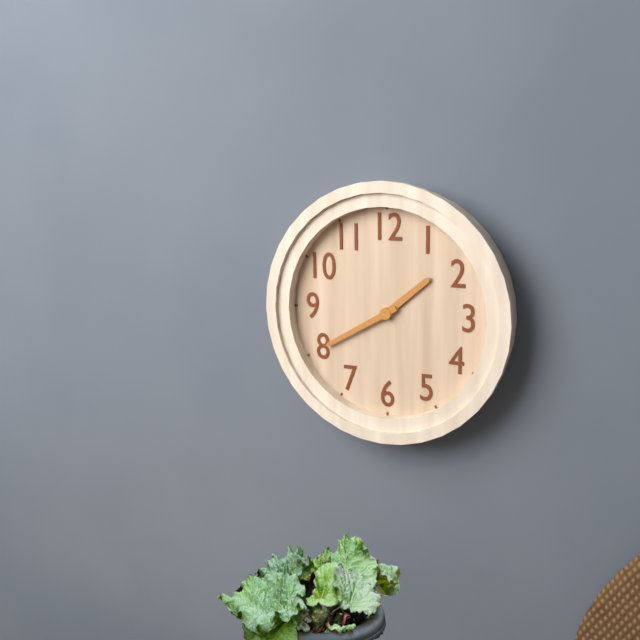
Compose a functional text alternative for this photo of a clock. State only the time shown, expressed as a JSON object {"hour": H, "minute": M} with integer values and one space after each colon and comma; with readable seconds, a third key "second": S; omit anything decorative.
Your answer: {"hour": 1, "minute": 40}
